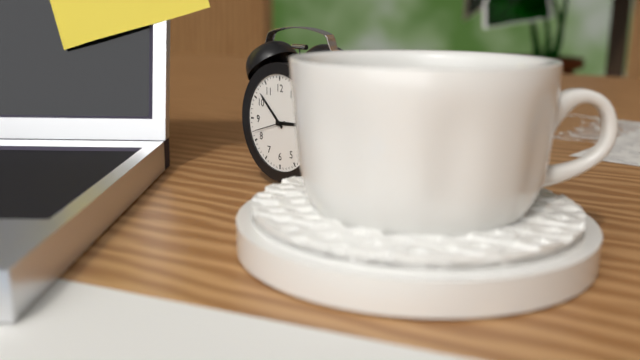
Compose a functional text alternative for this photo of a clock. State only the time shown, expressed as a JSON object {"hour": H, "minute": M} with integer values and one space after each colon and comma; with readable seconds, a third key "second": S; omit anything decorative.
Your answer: {"hour": 2, "minute": 52}
